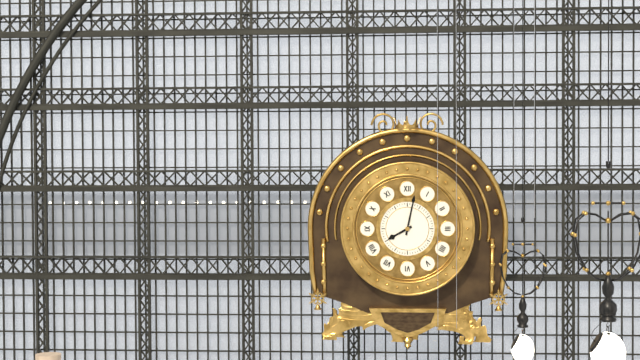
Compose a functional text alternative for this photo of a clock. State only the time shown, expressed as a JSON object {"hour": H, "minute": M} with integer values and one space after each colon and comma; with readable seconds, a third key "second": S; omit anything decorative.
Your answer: {"hour": 8, "minute": 2}
